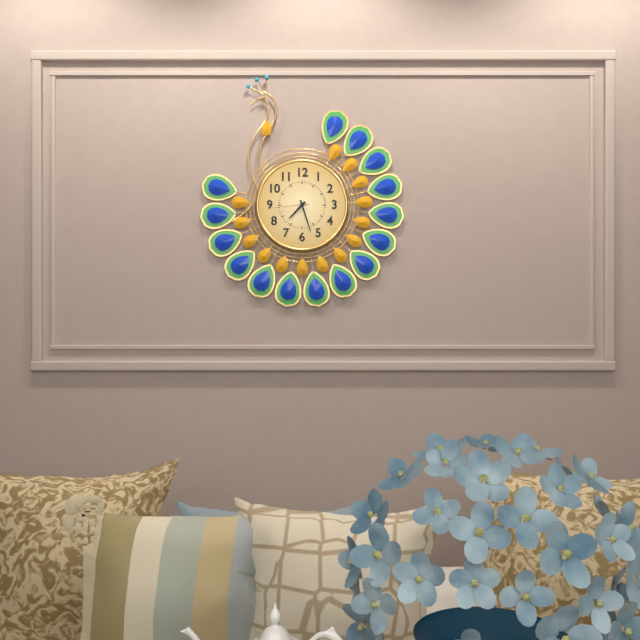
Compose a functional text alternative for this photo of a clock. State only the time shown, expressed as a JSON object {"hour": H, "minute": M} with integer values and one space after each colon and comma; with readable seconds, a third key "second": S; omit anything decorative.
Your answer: {"hour": 7, "minute": 27}
